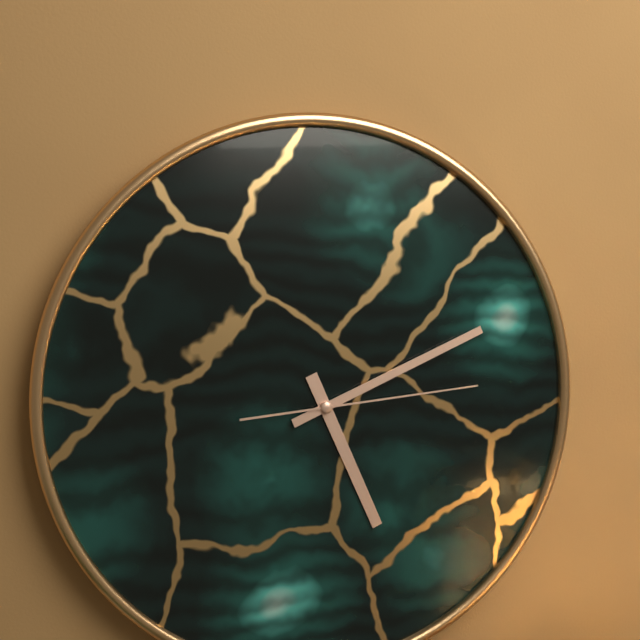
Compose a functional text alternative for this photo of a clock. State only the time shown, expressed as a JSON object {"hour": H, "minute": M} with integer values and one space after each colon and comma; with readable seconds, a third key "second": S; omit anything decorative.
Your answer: {"hour": 5, "minute": 11, "second": 14}
